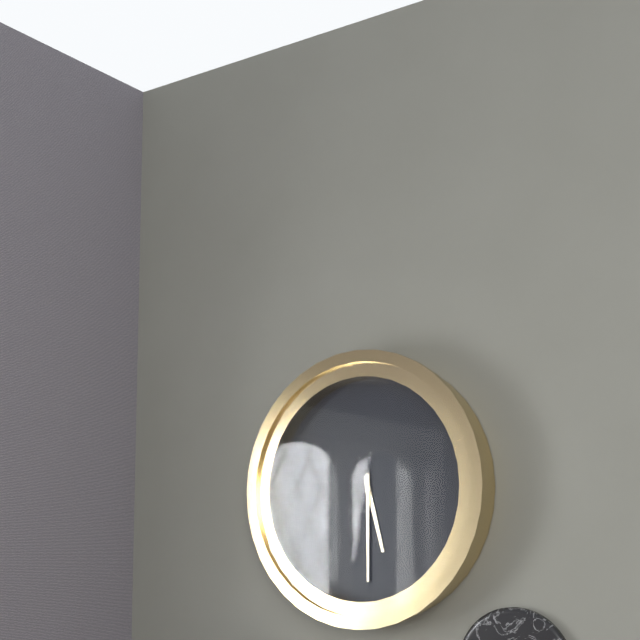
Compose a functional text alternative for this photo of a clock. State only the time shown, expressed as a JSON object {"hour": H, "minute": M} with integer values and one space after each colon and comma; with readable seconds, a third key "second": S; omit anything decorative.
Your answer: {"hour": 5, "minute": 30}
